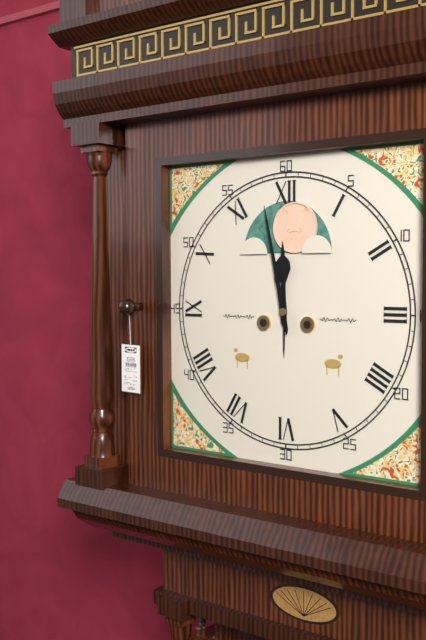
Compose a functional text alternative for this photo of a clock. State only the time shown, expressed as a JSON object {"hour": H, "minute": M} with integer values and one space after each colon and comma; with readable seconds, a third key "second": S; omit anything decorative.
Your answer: {"hour": 11, "minute": 58}
